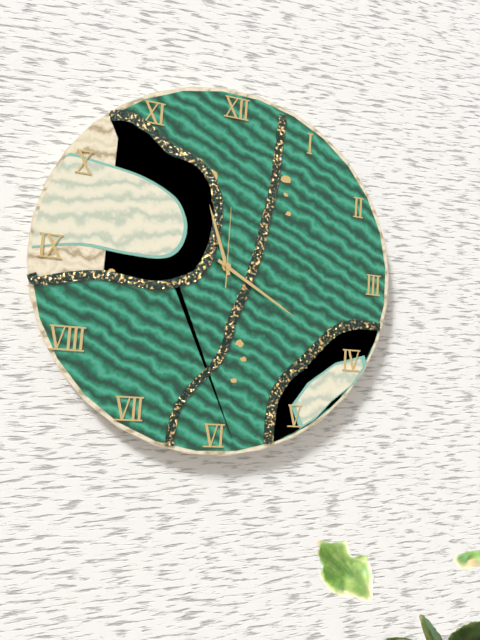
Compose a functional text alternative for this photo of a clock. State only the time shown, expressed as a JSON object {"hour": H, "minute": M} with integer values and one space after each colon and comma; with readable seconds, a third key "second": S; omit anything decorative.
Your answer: {"hour": 11, "minute": 20, "second": 0}
